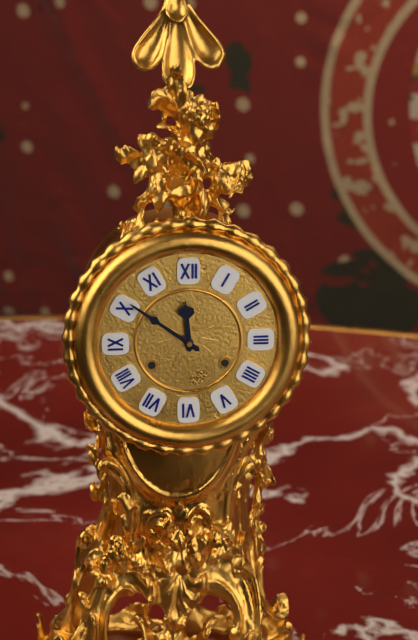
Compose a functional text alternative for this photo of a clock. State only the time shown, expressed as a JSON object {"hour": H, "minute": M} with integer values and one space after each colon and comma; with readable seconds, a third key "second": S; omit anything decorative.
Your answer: {"hour": 11, "minute": 51}
